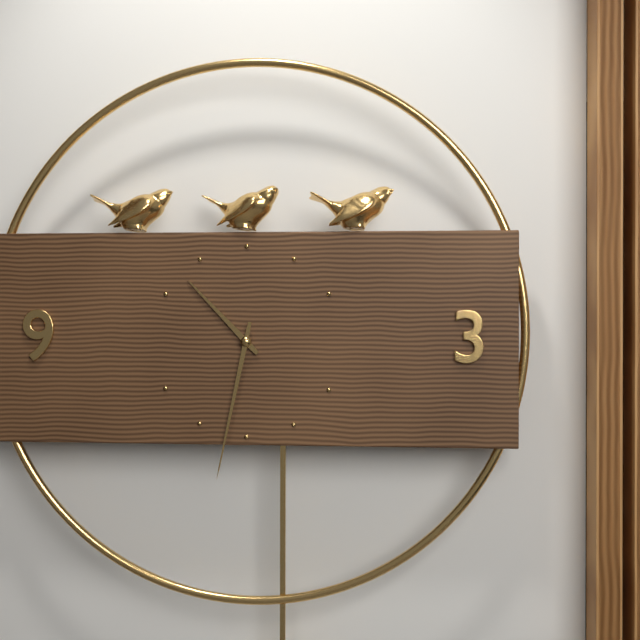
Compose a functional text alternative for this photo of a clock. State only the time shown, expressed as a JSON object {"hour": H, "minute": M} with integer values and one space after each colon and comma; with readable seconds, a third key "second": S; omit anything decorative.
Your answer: {"hour": 10, "minute": 32}
